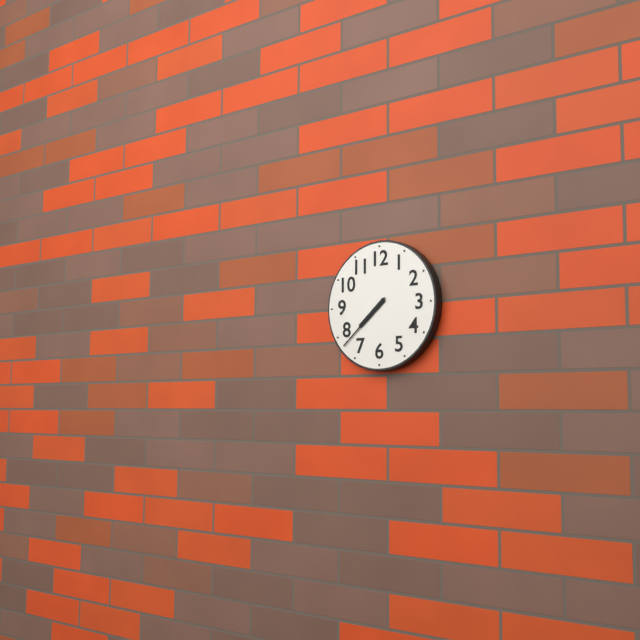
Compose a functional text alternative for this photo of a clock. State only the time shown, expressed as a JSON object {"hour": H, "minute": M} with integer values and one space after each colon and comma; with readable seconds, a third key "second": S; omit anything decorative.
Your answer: {"hour": 7, "minute": 38}
